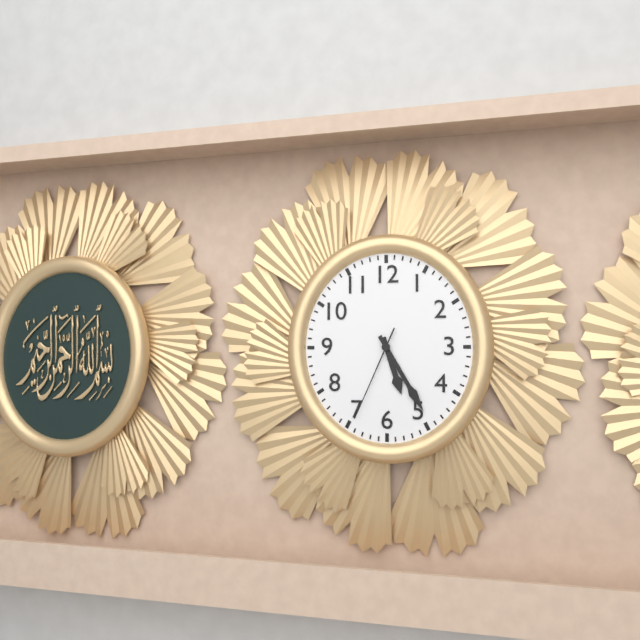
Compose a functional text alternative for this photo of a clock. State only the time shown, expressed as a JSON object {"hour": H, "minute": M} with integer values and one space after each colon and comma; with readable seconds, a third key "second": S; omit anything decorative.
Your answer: {"hour": 5, "minute": 25, "second": 34}
